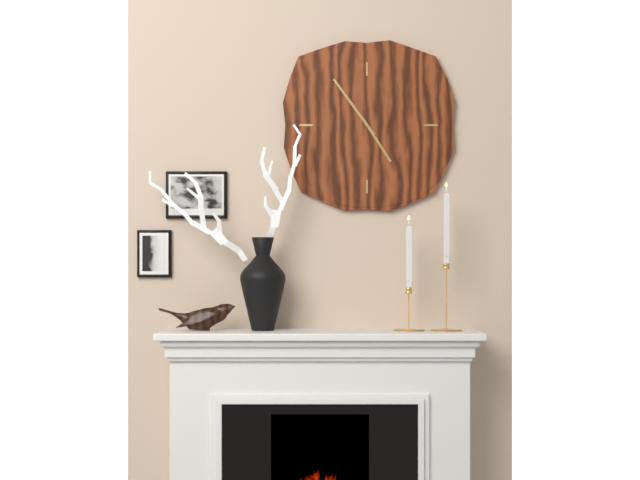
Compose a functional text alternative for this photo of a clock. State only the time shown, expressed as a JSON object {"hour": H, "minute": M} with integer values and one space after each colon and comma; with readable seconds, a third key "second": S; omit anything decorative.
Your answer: {"hour": 4, "minute": 54}
